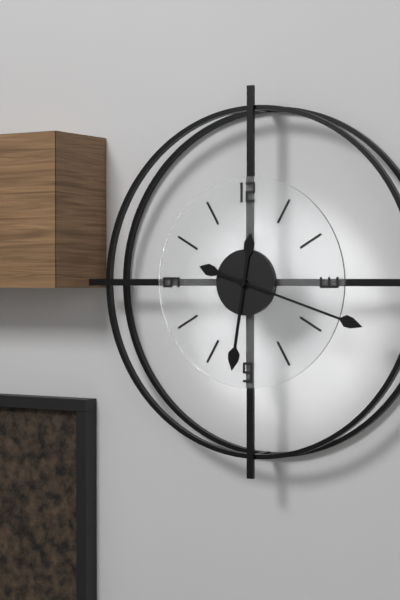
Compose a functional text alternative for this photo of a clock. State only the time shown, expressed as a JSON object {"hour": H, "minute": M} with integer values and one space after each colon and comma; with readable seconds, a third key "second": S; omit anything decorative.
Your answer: {"hour": 6, "minute": 18}
